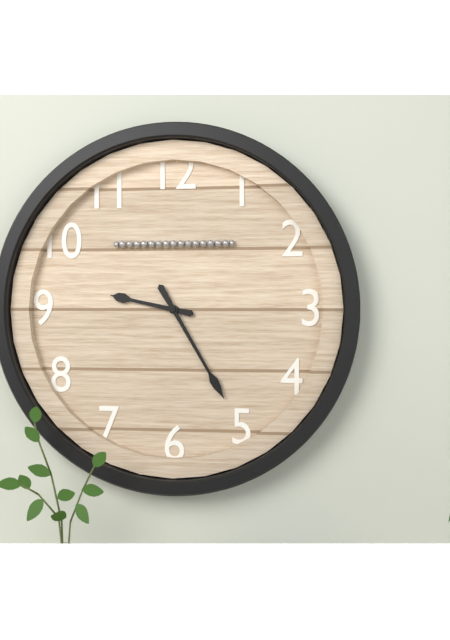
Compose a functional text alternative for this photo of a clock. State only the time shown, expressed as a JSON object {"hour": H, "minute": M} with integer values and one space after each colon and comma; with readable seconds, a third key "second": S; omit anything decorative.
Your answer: {"hour": 9, "minute": 25}
